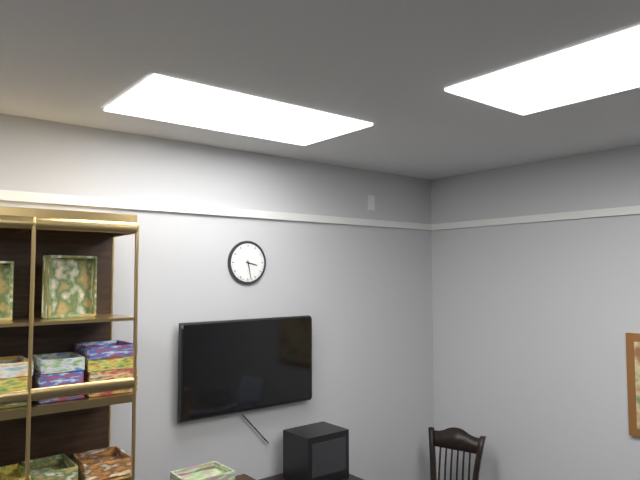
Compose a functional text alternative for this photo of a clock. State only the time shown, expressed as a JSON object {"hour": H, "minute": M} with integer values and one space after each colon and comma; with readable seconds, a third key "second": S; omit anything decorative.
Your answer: {"hour": 3, "minute": 28}
